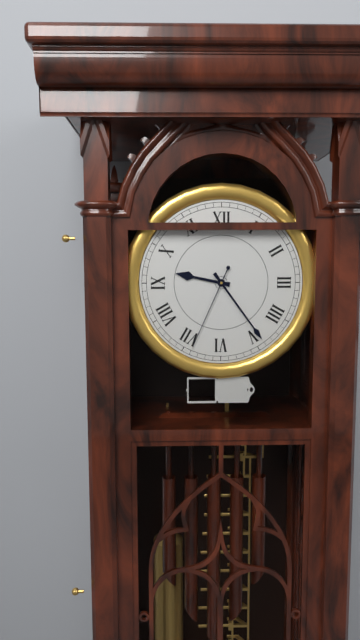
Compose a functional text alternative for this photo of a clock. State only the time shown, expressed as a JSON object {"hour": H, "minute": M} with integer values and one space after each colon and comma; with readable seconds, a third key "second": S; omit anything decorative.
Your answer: {"hour": 9, "minute": 24, "second": 34}
